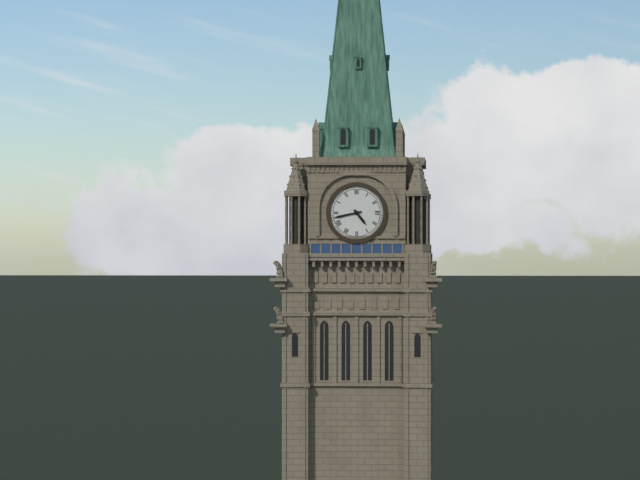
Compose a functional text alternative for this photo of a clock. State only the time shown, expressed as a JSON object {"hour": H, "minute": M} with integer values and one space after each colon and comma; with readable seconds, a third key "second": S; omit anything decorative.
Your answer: {"hour": 4, "minute": 43}
